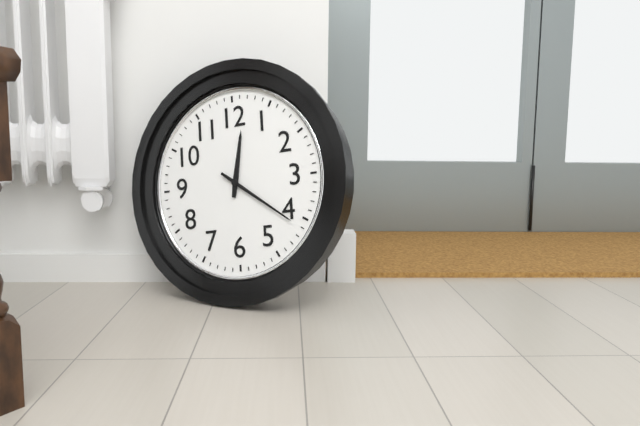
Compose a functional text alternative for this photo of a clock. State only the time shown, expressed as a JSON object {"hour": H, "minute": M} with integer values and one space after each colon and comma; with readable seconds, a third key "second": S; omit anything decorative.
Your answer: {"hour": 12, "minute": 21}
